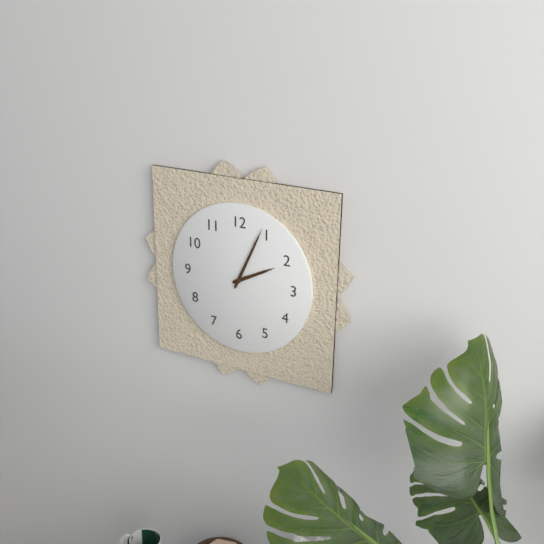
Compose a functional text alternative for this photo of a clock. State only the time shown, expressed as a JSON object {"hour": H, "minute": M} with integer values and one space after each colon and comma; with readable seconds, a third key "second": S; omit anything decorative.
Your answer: {"hour": 2, "minute": 4}
